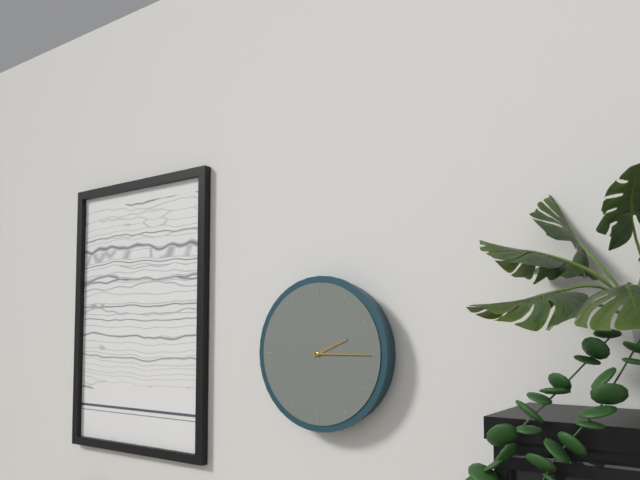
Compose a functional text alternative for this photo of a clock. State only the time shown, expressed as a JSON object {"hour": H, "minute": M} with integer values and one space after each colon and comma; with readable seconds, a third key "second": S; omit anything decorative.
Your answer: {"hour": 2, "minute": 15}
